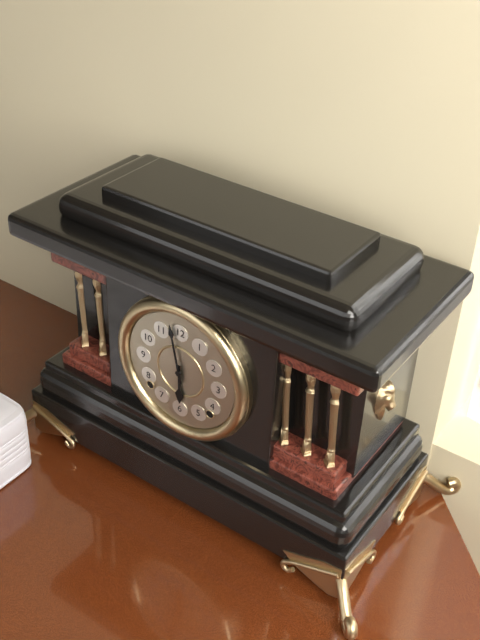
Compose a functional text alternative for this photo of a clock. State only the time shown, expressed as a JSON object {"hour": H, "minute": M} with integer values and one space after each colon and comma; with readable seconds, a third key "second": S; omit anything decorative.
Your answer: {"hour": 5, "minute": 58}
